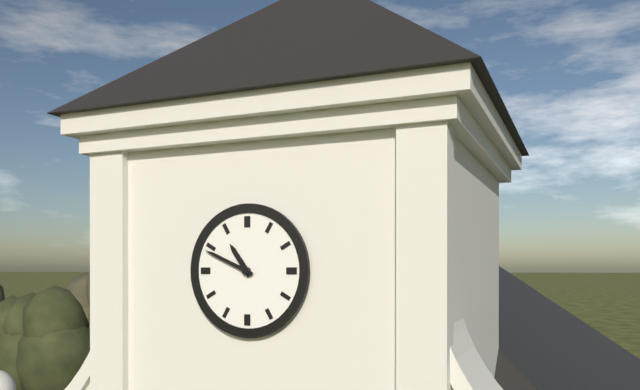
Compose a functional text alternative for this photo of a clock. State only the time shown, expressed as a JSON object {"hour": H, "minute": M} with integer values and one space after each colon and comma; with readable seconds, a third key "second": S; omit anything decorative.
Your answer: {"hour": 10, "minute": 49}
